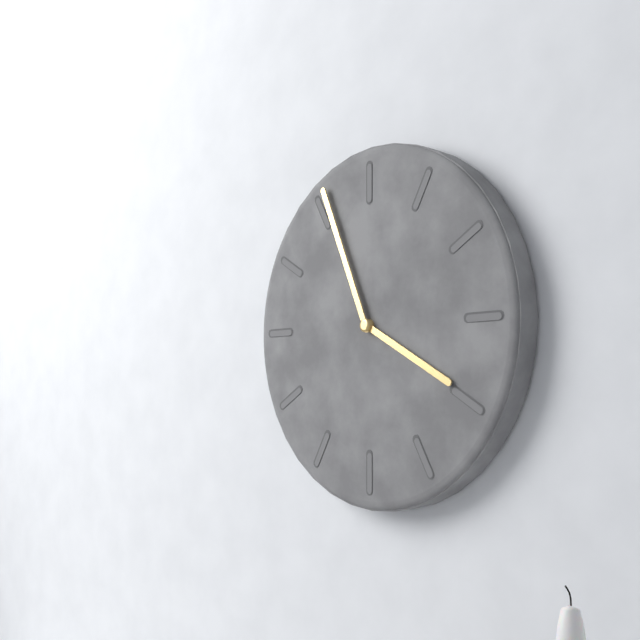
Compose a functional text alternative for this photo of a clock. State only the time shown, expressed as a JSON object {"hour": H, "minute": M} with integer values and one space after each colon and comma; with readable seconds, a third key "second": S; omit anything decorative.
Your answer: {"hour": 3, "minute": 56}
